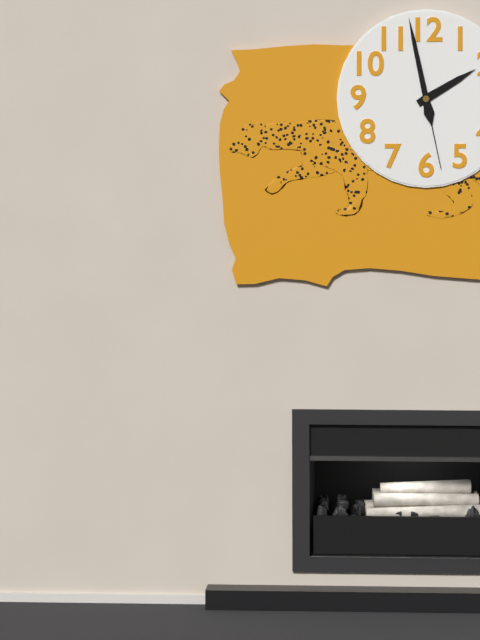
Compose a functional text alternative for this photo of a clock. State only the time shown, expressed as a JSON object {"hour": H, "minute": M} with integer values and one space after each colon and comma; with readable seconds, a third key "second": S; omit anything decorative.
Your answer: {"hour": 1, "minute": 58, "second": 28}
